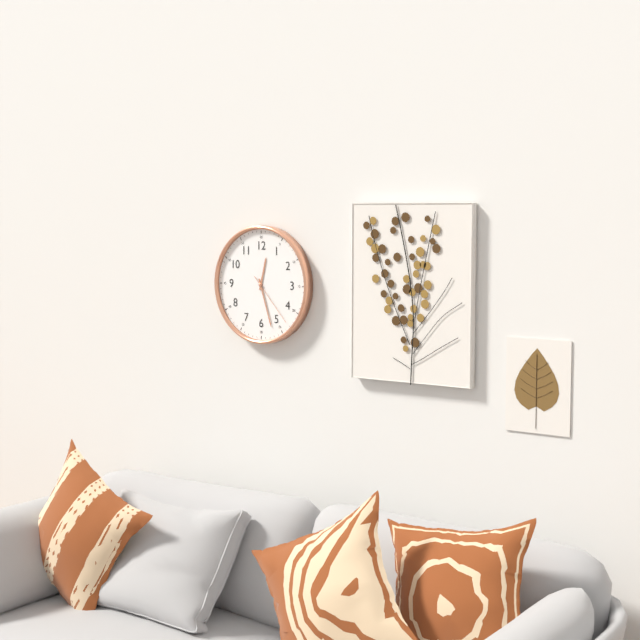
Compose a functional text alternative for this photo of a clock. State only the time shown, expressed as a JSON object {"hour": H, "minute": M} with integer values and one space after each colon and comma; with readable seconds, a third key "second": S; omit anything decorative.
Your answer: {"hour": 12, "minute": 27, "second": 23}
